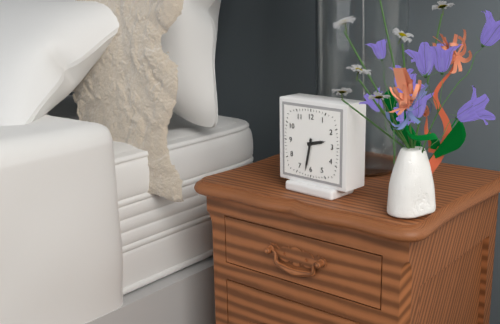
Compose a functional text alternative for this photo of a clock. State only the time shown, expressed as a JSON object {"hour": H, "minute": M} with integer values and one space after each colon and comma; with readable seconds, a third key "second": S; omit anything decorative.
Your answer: {"hour": 2, "minute": 32}
